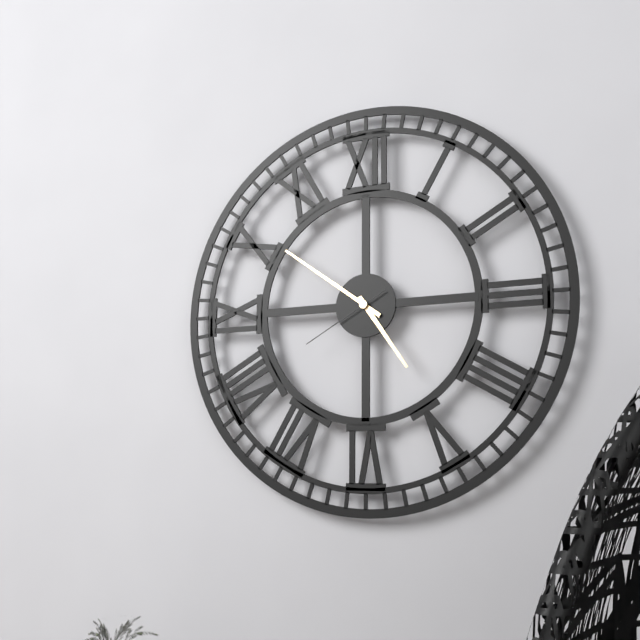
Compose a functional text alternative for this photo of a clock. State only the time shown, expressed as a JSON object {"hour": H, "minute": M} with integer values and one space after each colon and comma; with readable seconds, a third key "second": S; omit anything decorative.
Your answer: {"hour": 4, "minute": 51, "second": 40}
